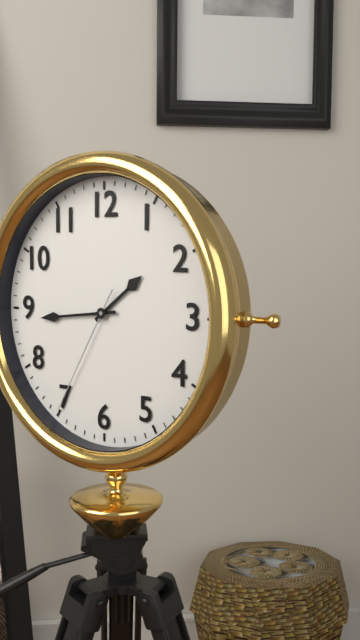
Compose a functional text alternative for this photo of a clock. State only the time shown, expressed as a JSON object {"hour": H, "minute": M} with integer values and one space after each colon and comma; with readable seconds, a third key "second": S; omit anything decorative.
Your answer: {"hour": 1, "minute": 44, "second": 35}
